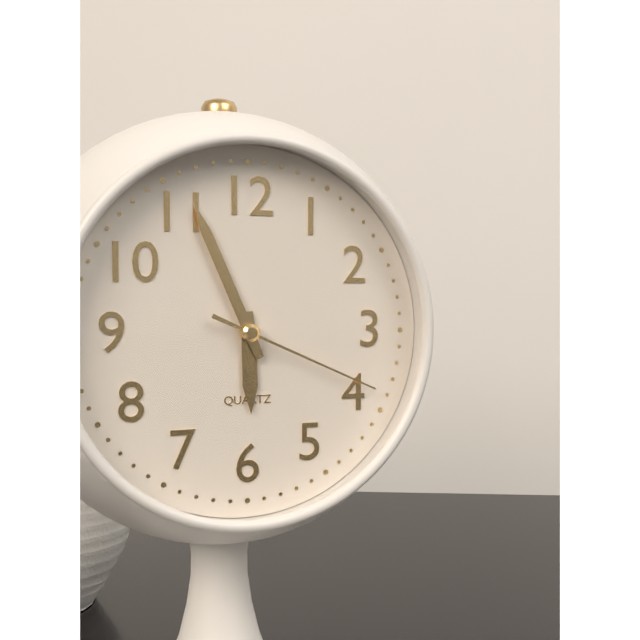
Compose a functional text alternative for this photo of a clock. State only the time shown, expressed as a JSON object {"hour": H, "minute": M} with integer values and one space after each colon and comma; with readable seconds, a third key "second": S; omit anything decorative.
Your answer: {"hour": 5, "minute": 56, "second": 19}
